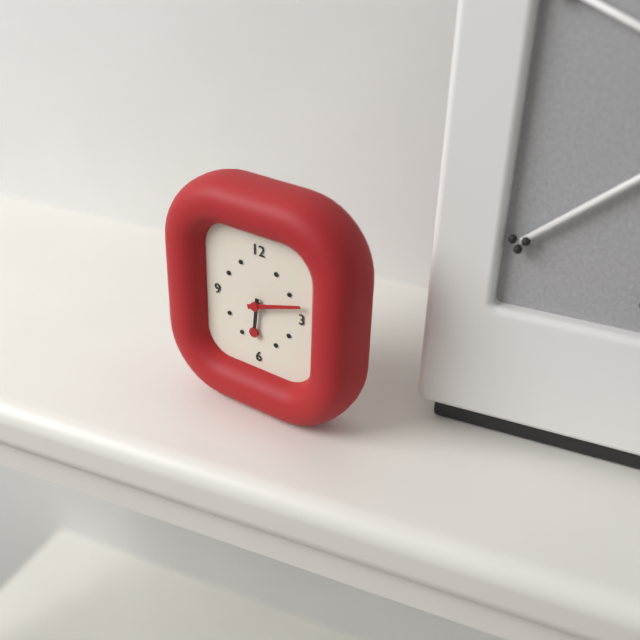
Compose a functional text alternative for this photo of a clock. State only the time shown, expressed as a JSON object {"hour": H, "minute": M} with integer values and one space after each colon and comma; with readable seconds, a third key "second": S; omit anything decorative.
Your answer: {"hour": 6, "minute": 12}
